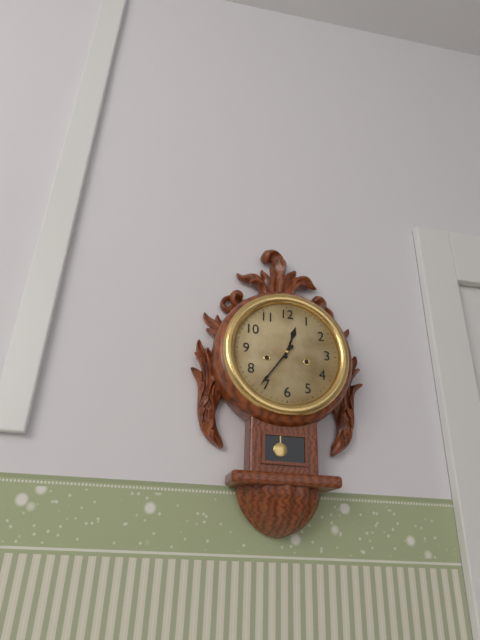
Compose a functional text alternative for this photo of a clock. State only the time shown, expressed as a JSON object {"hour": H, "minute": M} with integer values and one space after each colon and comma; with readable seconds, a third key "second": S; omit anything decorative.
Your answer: {"hour": 12, "minute": 36}
